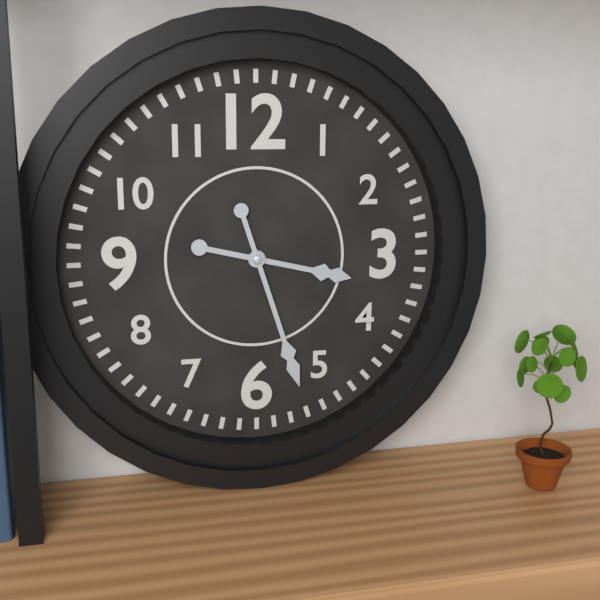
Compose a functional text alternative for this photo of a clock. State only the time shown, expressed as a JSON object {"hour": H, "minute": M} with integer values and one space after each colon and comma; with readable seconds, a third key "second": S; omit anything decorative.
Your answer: {"hour": 3, "minute": 27}
